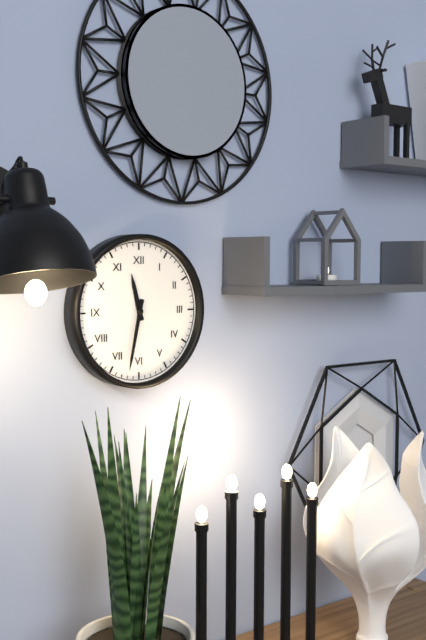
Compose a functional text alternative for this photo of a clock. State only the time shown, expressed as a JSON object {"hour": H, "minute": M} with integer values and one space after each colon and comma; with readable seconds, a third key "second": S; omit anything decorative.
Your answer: {"hour": 11, "minute": 32}
